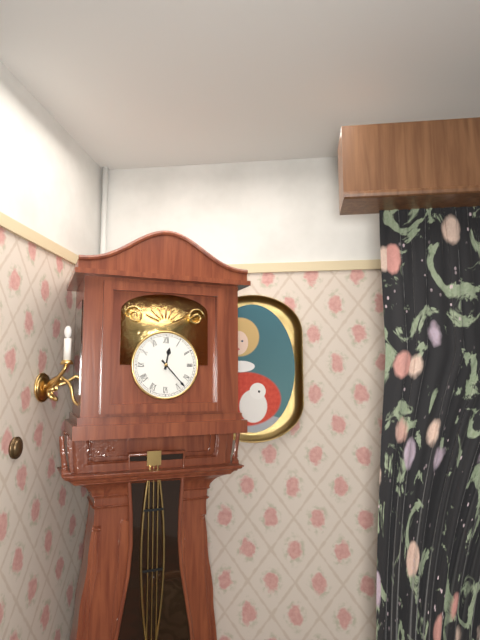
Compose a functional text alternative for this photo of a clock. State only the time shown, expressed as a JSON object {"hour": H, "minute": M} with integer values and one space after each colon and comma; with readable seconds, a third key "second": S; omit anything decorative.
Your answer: {"hour": 12, "minute": 23}
